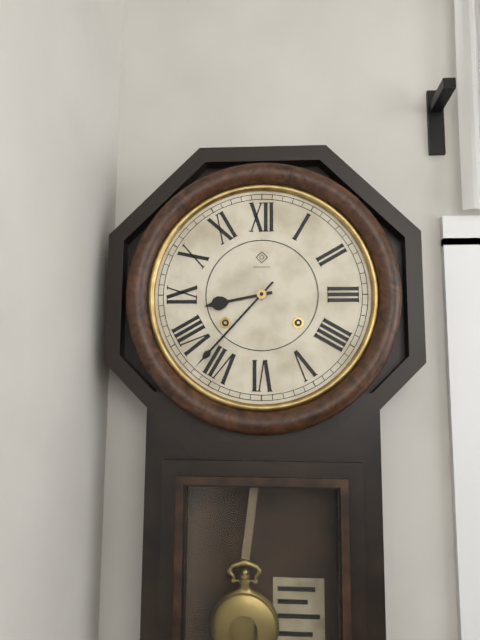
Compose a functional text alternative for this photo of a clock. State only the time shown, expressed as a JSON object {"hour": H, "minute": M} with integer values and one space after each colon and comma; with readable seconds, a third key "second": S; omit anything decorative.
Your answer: {"hour": 8, "minute": 37}
